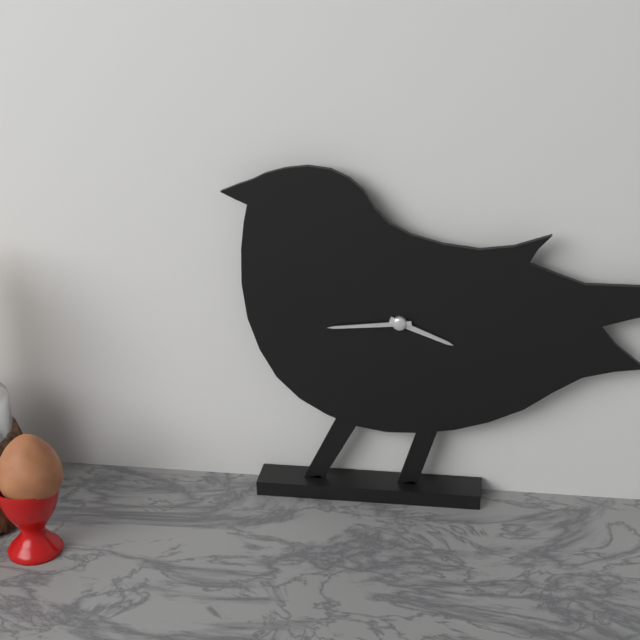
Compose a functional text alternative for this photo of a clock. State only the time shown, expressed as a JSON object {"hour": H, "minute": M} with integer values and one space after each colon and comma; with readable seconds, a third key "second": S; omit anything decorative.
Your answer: {"hour": 3, "minute": 44}
